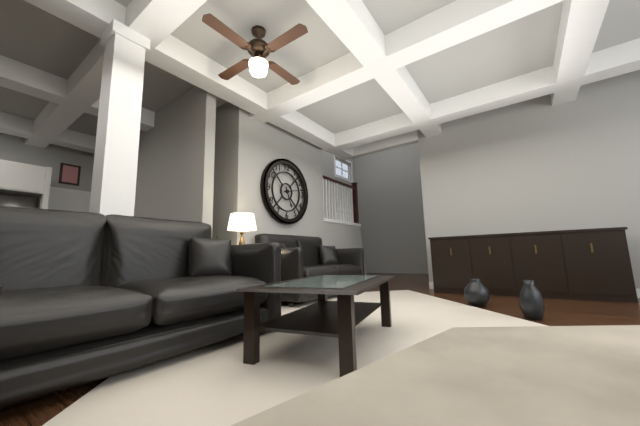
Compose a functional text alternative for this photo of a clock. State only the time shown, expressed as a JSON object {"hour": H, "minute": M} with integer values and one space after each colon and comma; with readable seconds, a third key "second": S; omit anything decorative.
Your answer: {"hour": 5, "minute": 13}
